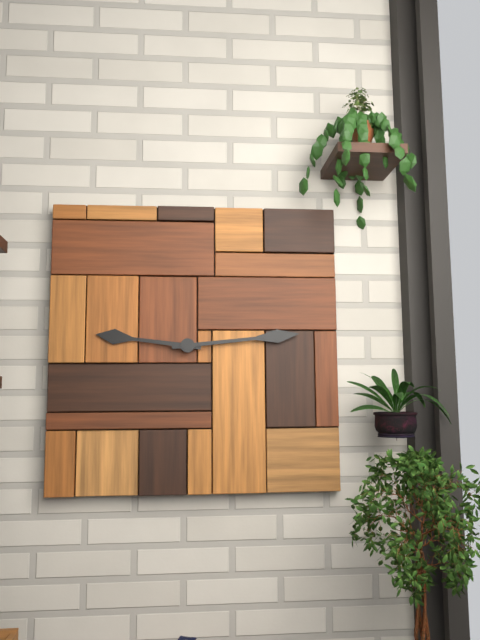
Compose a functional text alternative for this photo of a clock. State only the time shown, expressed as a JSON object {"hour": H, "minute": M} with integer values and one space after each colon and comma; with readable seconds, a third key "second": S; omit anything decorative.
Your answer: {"hour": 9, "minute": 14}
